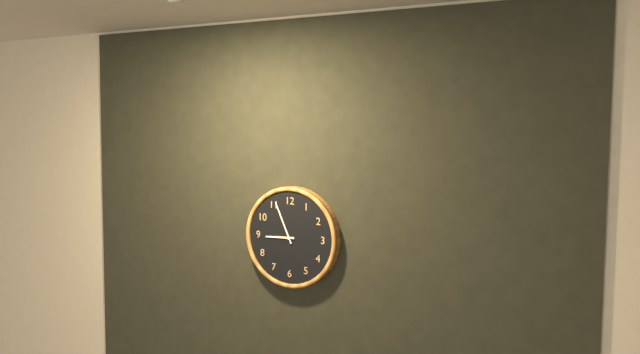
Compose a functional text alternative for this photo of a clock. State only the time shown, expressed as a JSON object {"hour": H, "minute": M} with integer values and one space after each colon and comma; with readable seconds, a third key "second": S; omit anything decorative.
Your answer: {"hour": 8, "minute": 56}
